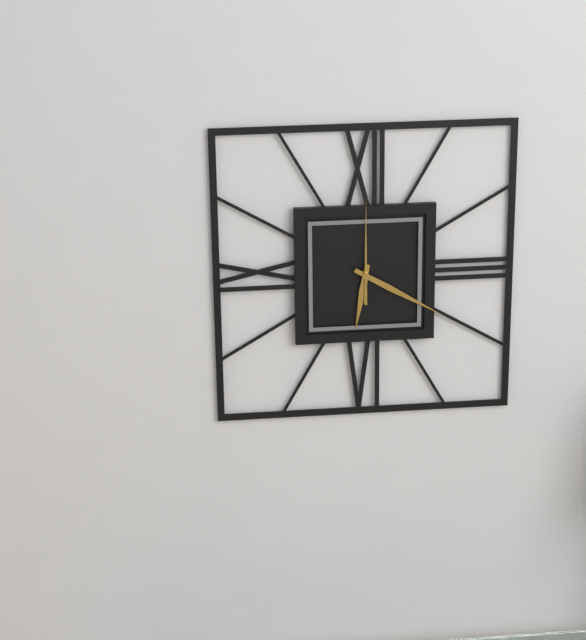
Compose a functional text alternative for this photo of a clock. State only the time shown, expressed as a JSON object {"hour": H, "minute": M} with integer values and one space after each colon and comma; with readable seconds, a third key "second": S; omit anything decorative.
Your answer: {"hour": 6, "minute": 20, "second": 0}
